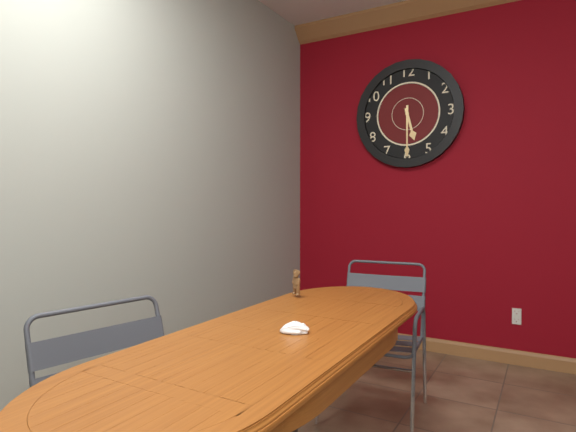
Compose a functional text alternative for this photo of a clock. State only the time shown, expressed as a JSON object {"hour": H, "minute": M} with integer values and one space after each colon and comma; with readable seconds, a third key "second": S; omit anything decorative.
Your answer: {"hour": 5, "minute": 30}
